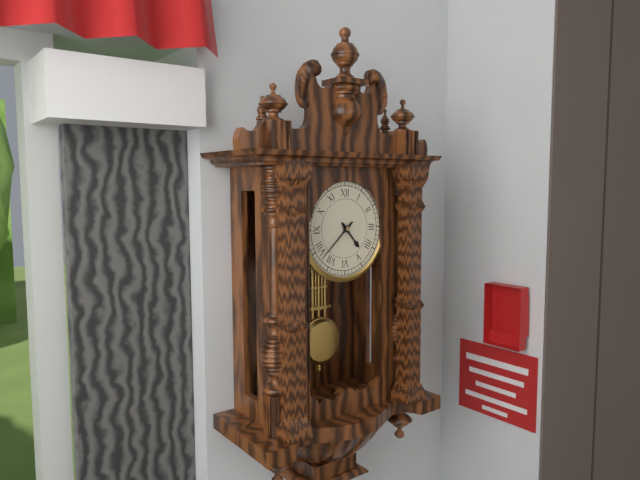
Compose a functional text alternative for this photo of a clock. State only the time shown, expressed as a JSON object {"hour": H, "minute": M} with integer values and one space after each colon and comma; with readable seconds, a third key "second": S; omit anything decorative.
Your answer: {"hour": 4, "minute": 38}
